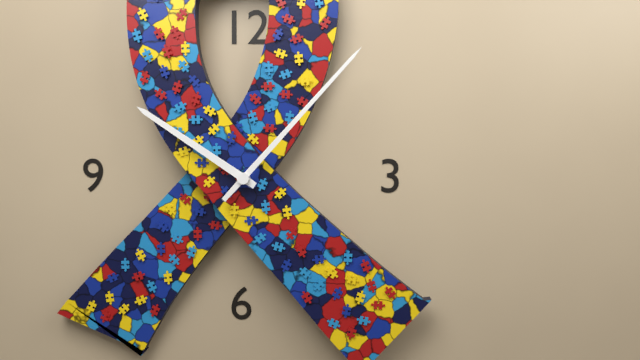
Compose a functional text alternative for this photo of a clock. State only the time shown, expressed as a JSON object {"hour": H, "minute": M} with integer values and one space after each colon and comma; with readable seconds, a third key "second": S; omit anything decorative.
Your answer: {"hour": 10, "minute": 7}
